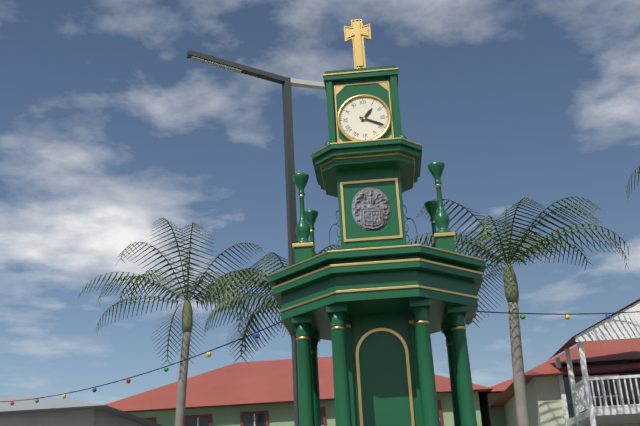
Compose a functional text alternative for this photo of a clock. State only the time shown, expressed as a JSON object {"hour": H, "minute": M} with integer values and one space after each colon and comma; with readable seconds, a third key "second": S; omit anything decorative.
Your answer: {"hour": 1, "minute": 19}
